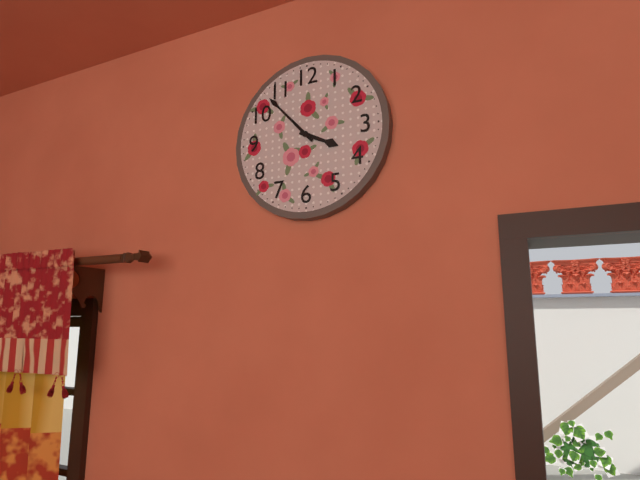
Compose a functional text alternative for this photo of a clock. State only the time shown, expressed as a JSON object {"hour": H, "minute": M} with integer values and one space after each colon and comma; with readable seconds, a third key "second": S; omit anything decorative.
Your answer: {"hour": 3, "minute": 53}
